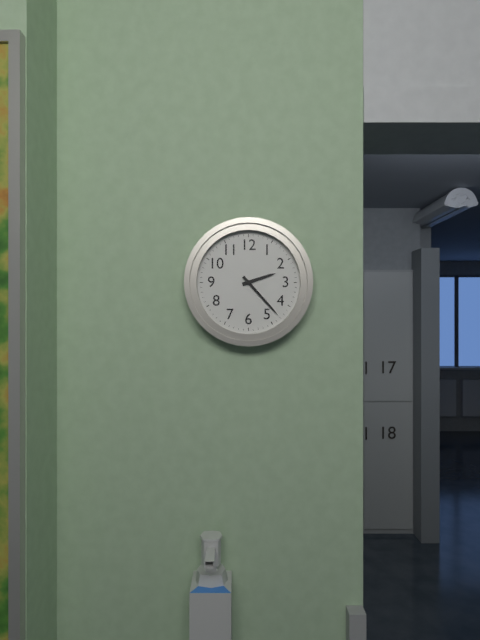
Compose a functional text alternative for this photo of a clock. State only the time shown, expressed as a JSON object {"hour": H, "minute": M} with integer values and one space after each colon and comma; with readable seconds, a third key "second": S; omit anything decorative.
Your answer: {"hour": 2, "minute": 23}
